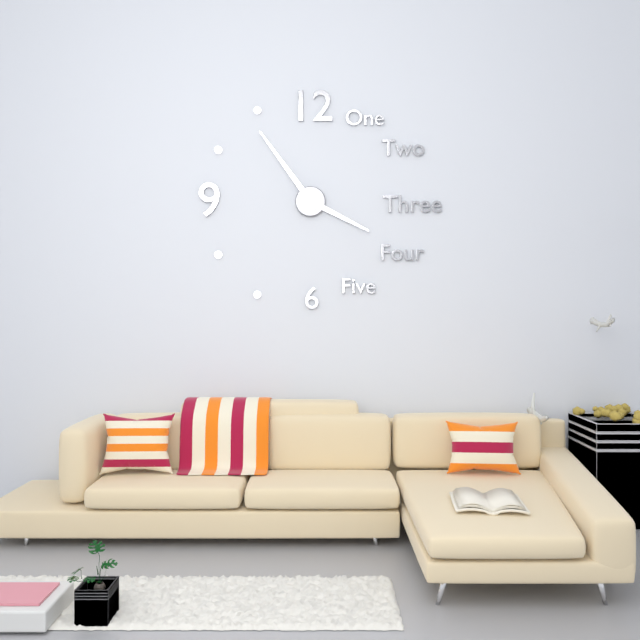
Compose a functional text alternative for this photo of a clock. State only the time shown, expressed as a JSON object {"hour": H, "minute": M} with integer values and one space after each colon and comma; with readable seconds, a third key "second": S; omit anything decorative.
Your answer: {"hour": 3, "minute": 54}
